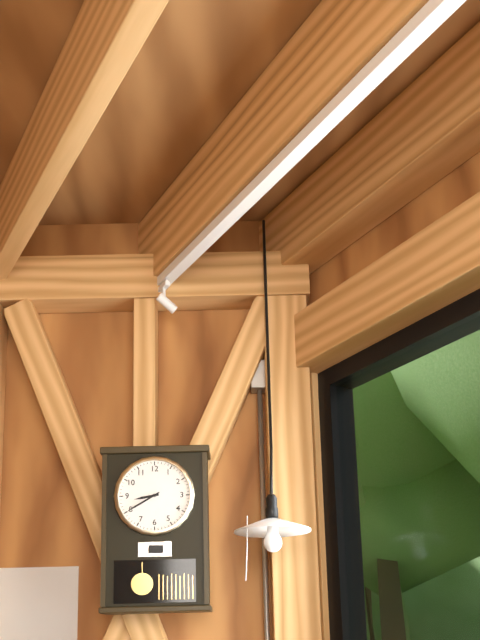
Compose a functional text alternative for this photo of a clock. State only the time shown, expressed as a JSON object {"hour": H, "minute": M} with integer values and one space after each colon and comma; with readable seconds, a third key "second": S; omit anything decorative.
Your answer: {"hour": 8, "minute": 40}
